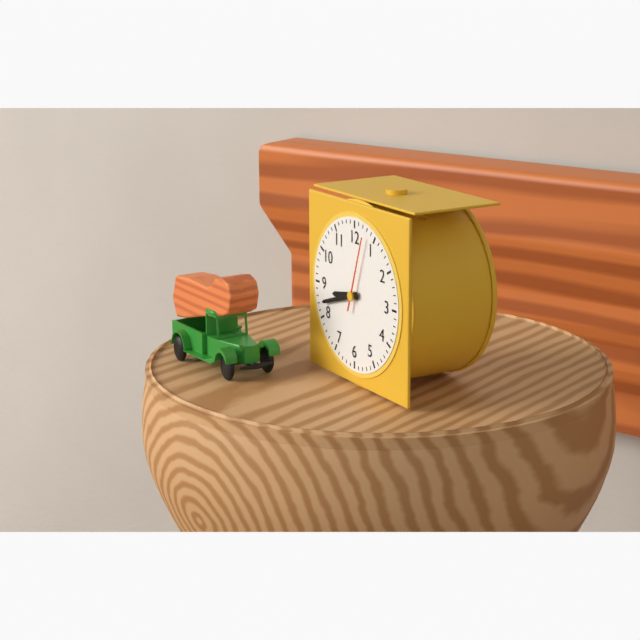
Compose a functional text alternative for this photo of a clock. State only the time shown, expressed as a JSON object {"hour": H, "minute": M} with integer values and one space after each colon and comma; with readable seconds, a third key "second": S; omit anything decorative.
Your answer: {"hour": 8, "minute": 42, "second": 3}
